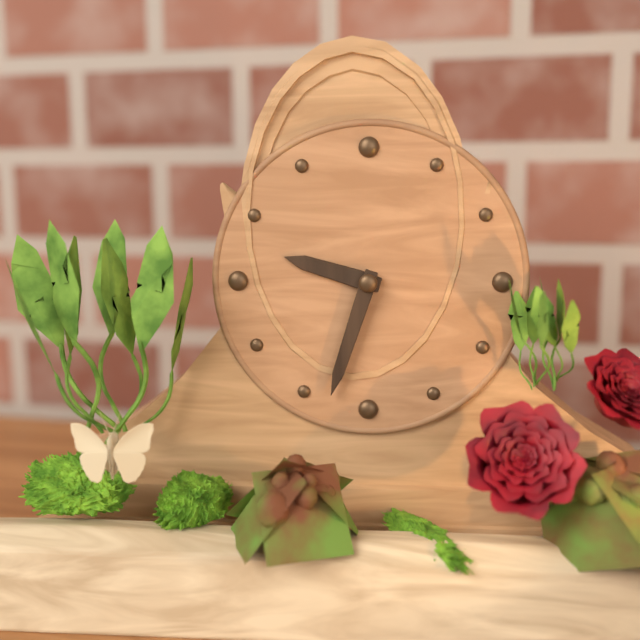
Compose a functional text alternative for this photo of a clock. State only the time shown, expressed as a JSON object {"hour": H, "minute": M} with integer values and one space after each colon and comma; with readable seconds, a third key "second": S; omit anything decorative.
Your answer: {"hour": 9, "minute": 33}
